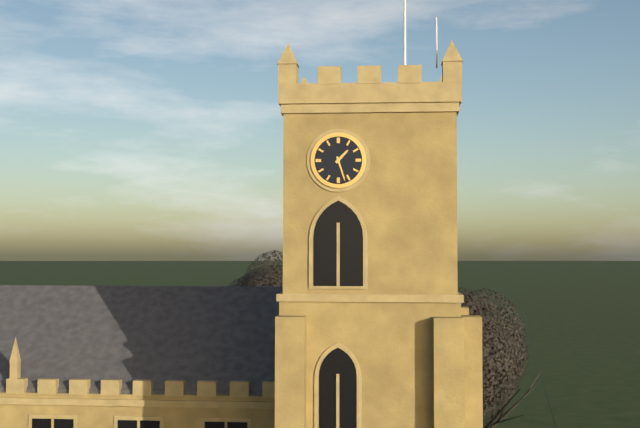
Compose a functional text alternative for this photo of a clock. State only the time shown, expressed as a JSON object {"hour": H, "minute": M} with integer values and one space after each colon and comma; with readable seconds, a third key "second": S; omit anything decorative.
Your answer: {"hour": 1, "minute": 27}
